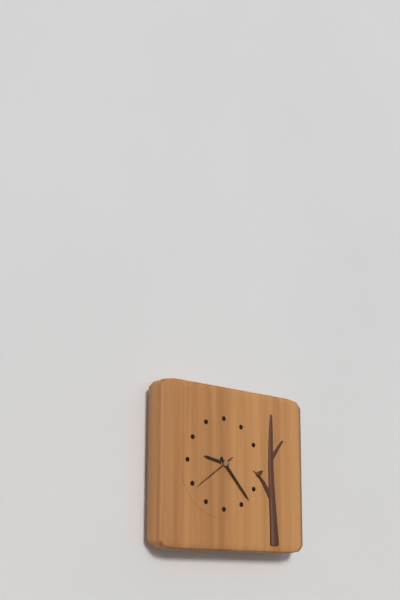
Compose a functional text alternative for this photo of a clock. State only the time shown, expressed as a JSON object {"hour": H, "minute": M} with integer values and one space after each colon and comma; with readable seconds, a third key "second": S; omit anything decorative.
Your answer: {"hour": 9, "minute": 23}
